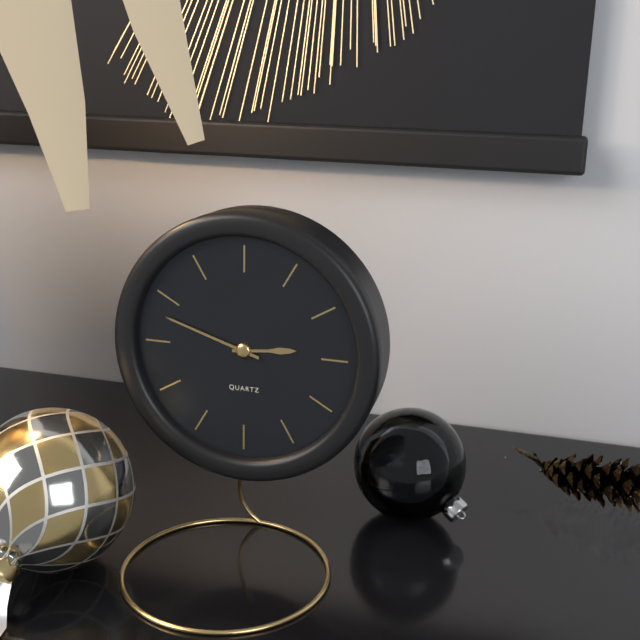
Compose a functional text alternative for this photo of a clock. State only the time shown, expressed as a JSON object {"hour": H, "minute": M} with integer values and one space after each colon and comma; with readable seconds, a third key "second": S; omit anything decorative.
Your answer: {"hour": 2, "minute": 48}
